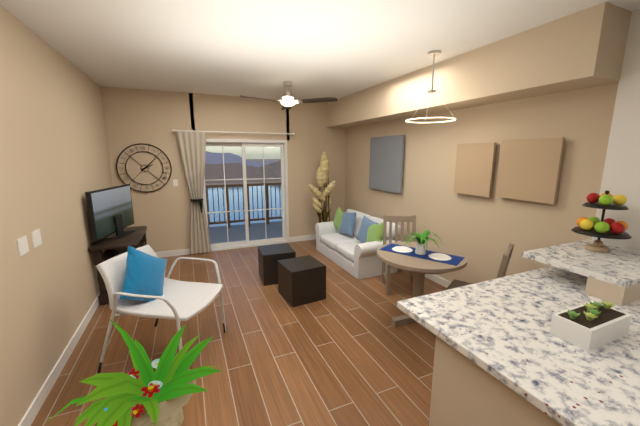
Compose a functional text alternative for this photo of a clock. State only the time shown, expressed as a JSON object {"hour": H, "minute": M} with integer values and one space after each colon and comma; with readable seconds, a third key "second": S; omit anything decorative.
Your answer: {"hour": 2, "minute": 8}
